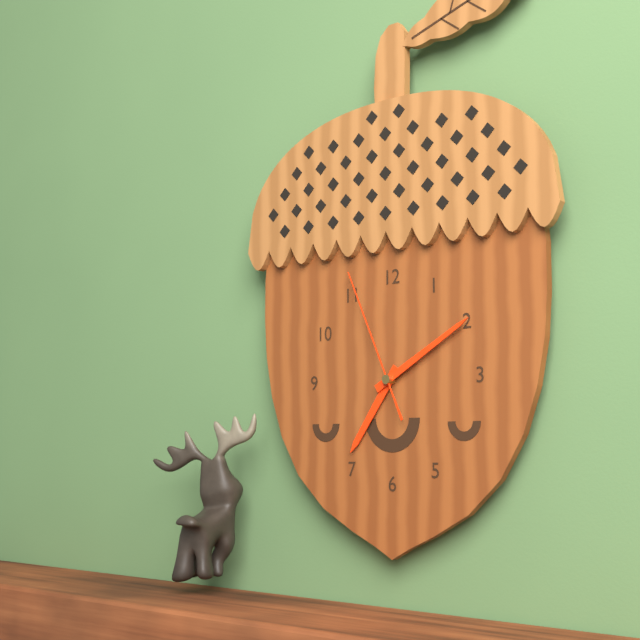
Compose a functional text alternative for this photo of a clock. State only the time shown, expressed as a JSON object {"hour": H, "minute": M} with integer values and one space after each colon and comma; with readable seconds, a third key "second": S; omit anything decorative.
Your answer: {"hour": 7, "minute": 10, "second": 56}
